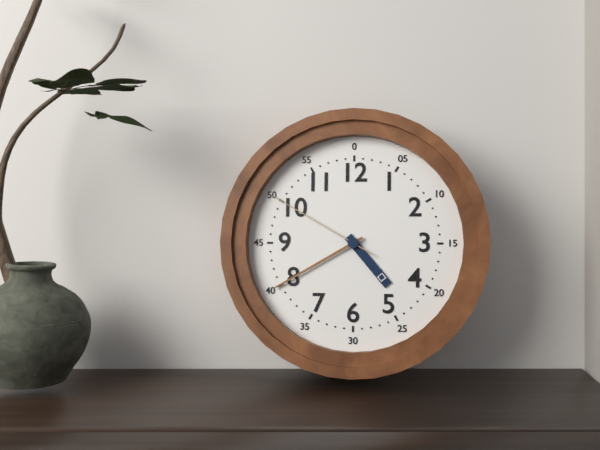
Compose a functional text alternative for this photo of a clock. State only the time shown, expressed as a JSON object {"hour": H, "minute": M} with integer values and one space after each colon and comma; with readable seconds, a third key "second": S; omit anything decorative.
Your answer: {"hour": 4, "minute": 40, "second": 50}
